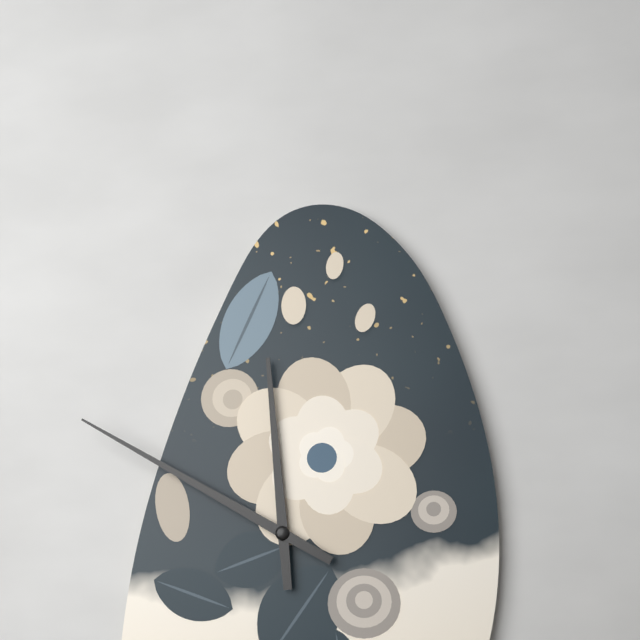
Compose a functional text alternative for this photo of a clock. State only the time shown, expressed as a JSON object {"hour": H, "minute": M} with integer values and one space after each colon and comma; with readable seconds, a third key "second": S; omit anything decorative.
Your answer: {"hour": 11, "minute": 50}
